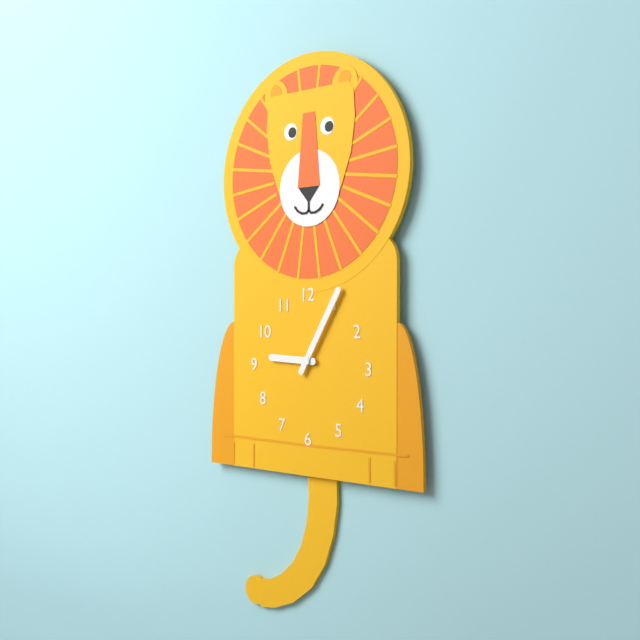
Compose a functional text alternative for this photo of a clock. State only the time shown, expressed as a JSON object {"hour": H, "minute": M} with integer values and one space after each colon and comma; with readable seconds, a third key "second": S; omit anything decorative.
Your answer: {"hour": 9, "minute": 5}
